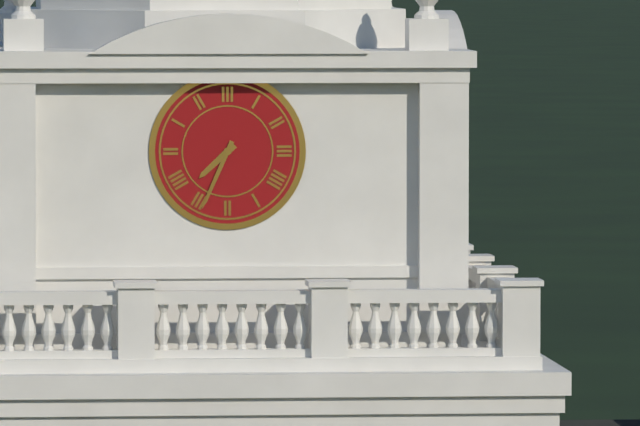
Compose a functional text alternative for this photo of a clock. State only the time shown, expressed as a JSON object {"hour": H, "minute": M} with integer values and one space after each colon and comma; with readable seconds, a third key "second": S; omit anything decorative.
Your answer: {"hour": 7, "minute": 34}
